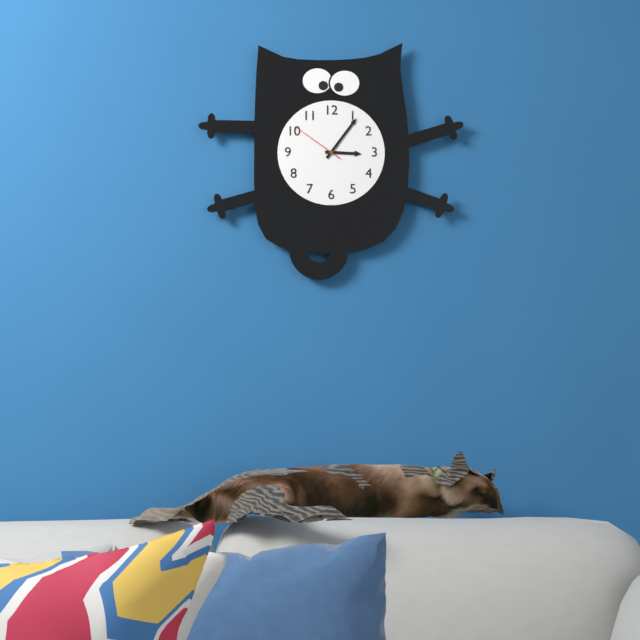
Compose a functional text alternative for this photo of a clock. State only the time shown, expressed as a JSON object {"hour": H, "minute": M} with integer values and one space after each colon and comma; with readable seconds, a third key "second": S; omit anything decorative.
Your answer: {"hour": 3, "minute": 6, "second": 51}
